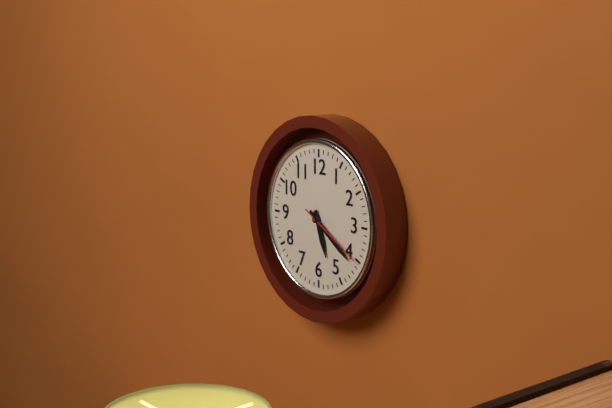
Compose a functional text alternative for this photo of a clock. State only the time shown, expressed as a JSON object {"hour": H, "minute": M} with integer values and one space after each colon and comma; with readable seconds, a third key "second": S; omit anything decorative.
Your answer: {"hour": 5, "minute": 21, "second": 20}
